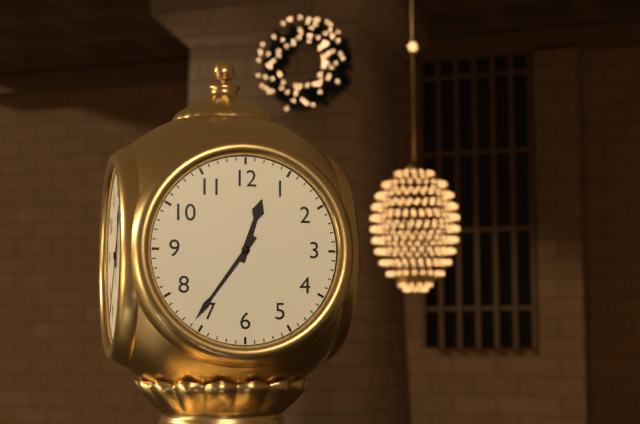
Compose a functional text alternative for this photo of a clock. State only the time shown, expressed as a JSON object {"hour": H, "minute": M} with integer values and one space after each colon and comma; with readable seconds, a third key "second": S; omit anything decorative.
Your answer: {"hour": 12, "minute": 36}
